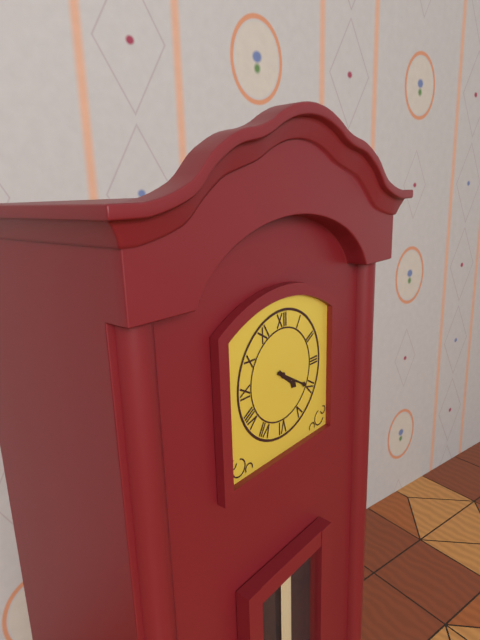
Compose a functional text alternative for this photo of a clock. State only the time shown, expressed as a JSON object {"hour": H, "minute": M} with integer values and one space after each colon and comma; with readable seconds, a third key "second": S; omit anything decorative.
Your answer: {"hour": 4, "minute": 20}
